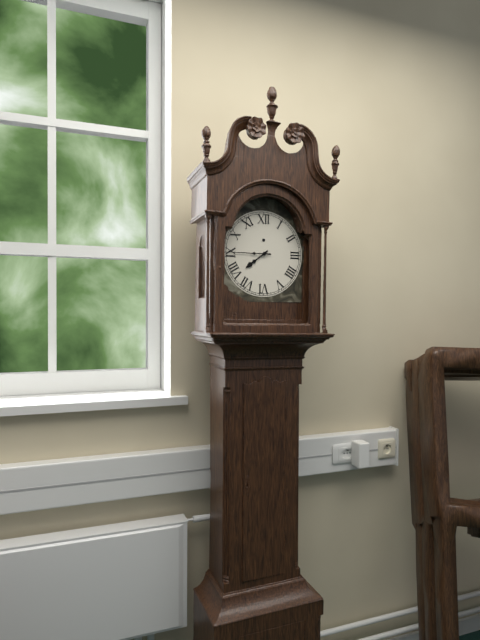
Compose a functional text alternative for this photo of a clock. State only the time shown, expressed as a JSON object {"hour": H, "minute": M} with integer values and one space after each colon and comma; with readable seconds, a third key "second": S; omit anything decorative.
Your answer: {"hour": 7, "minute": 45}
